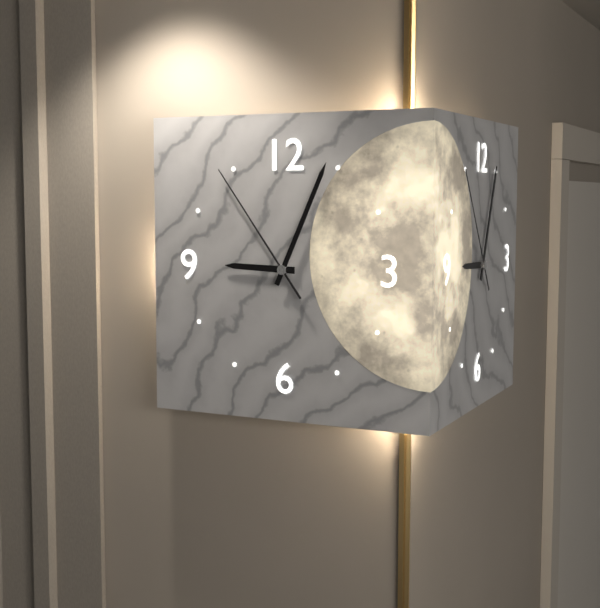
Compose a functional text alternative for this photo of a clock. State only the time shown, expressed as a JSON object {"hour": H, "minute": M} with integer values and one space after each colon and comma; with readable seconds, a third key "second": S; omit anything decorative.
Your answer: {"hour": 9, "minute": 4, "second": 54}
